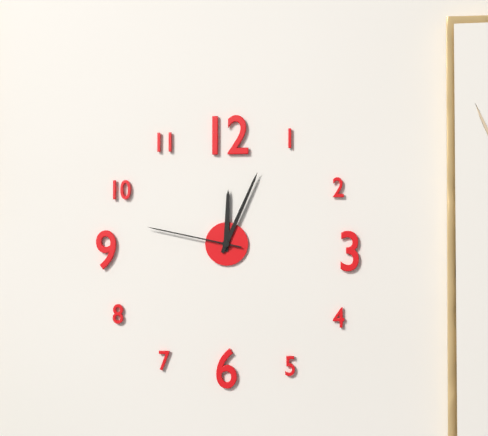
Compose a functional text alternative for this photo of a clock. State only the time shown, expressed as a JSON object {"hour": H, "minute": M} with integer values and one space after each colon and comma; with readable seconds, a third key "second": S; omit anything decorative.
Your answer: {"hour": 12, "minute": 4, "second": 47}
